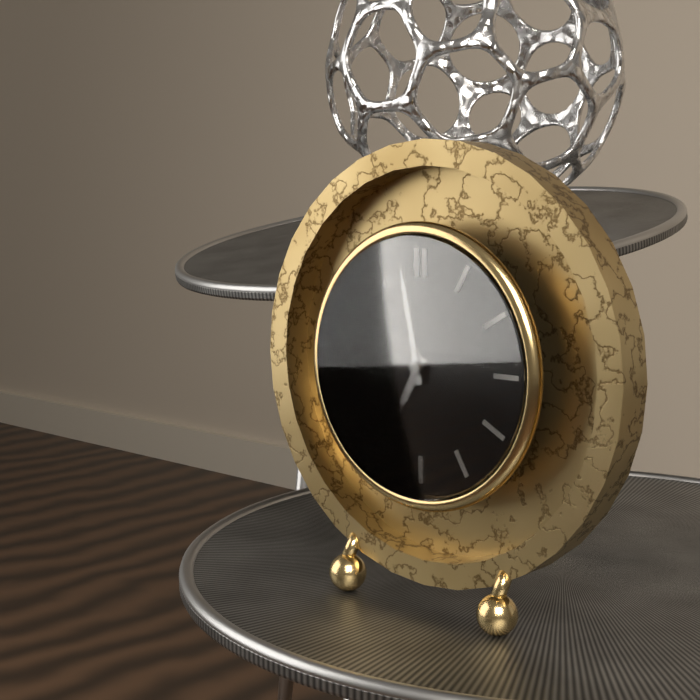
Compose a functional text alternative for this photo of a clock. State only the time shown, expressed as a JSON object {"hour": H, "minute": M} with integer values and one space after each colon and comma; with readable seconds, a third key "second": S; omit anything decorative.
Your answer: {"hour": 6, "minute": 58}
